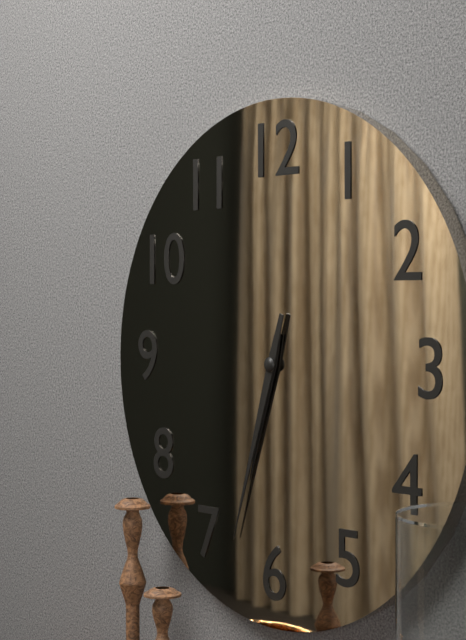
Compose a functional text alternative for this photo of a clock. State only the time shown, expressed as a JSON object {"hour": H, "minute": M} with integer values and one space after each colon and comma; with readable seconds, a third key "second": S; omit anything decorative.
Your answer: {"hour": 6, "minute": 33}
